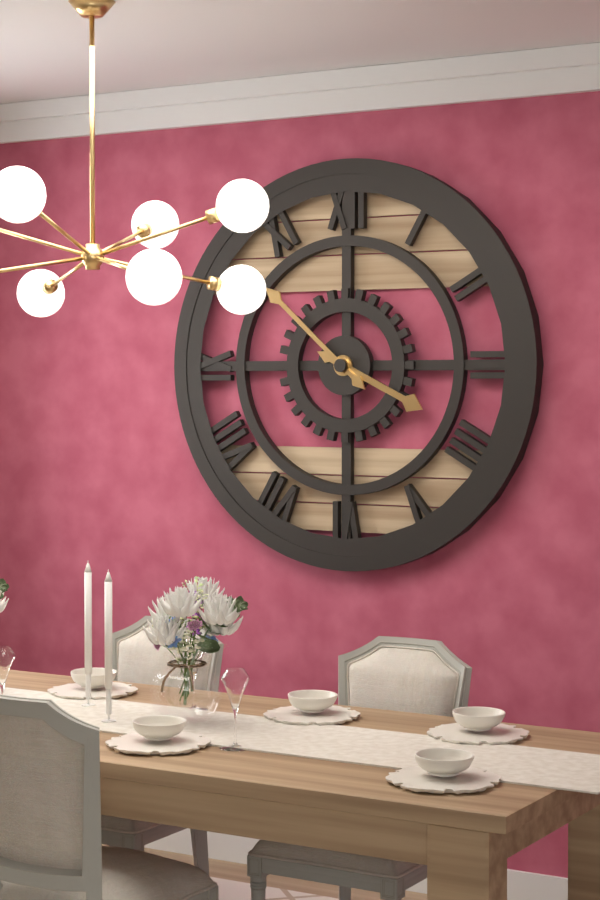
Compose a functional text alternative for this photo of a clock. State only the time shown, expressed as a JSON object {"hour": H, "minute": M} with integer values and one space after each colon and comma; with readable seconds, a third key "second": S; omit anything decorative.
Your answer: {"hour": 3, "minute": 52}
